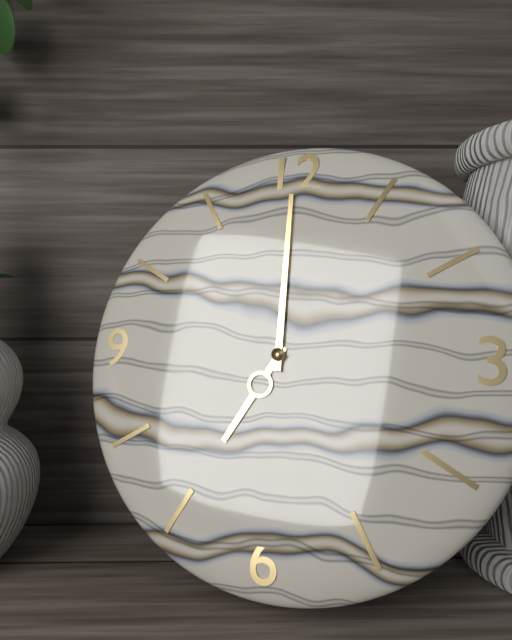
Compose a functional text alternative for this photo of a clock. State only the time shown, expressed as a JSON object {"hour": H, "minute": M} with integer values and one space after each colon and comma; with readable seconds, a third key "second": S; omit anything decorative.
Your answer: {"hour": 7, "minute": 0}
